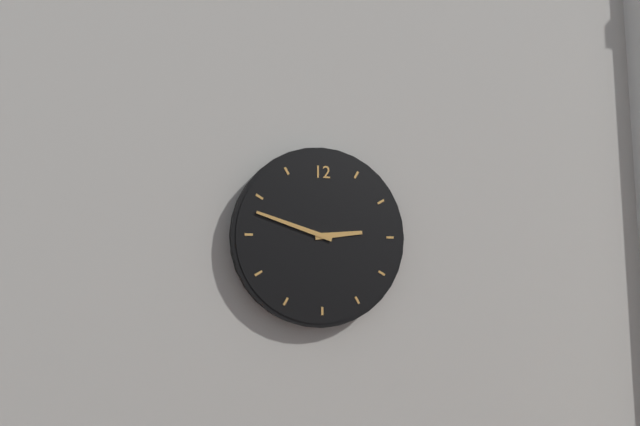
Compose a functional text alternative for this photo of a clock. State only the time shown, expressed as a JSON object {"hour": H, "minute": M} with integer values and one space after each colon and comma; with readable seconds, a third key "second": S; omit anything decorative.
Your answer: {"hour": 2, "minute": 48}
